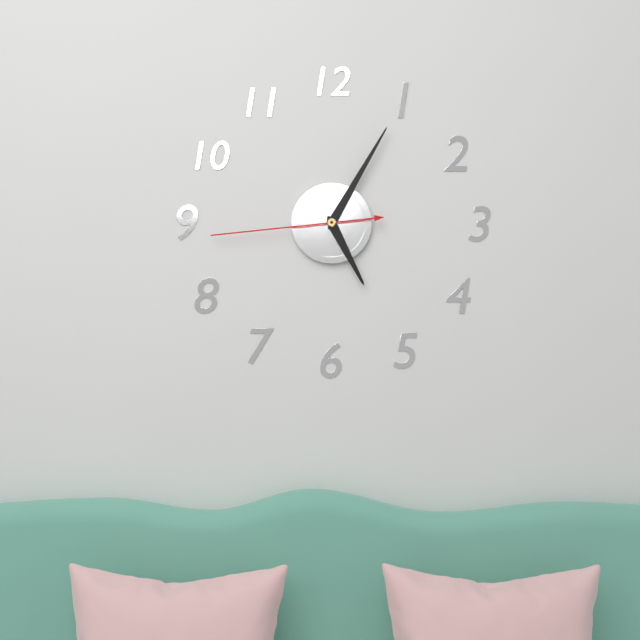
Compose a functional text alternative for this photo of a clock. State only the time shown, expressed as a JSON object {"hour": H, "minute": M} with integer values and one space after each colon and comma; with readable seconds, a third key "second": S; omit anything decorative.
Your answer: {"hour": 5, "minute": 5, "second": 44}
